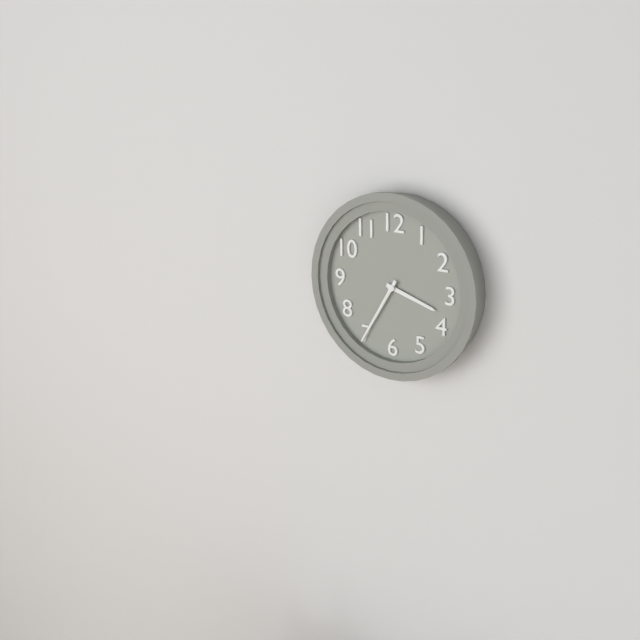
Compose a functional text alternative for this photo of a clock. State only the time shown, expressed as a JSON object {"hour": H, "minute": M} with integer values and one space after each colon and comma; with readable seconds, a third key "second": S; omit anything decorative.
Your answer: {"hour": 3, "minute": 35}
